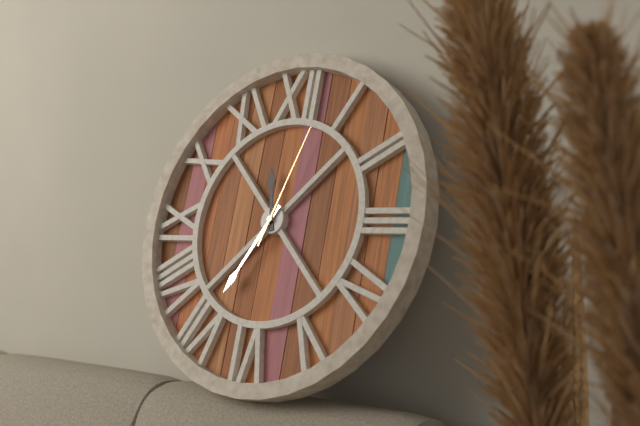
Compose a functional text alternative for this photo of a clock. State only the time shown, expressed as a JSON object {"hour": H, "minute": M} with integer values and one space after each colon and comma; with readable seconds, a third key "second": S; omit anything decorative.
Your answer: {"hour": 11, "minute": 35, "second": 3}
